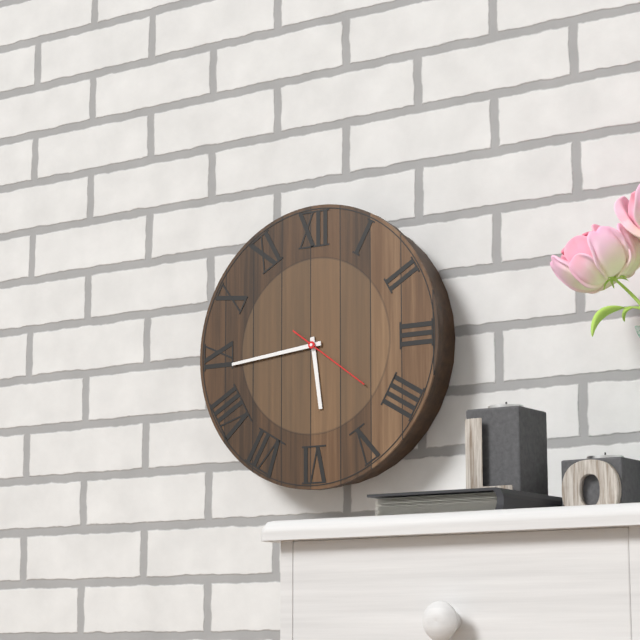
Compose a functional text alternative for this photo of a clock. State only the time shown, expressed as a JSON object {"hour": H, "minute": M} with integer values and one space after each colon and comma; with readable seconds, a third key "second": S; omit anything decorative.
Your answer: {"hour": 5, "minute": 44, "second": 21}
